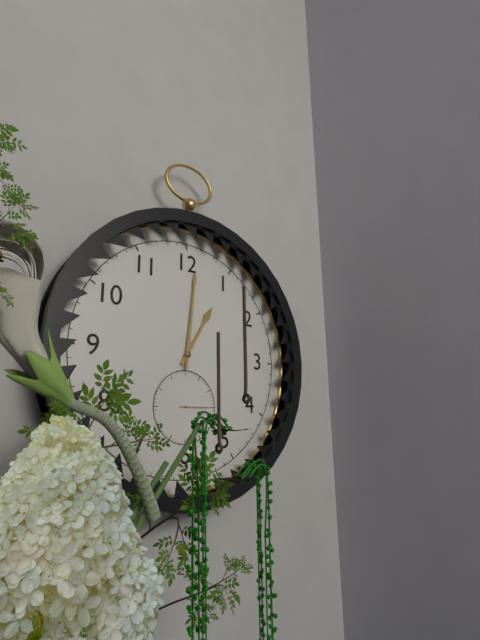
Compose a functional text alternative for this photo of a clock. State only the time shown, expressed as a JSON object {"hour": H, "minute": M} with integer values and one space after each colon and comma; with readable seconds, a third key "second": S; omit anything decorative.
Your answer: {"hour": 1, "minute": 1}
